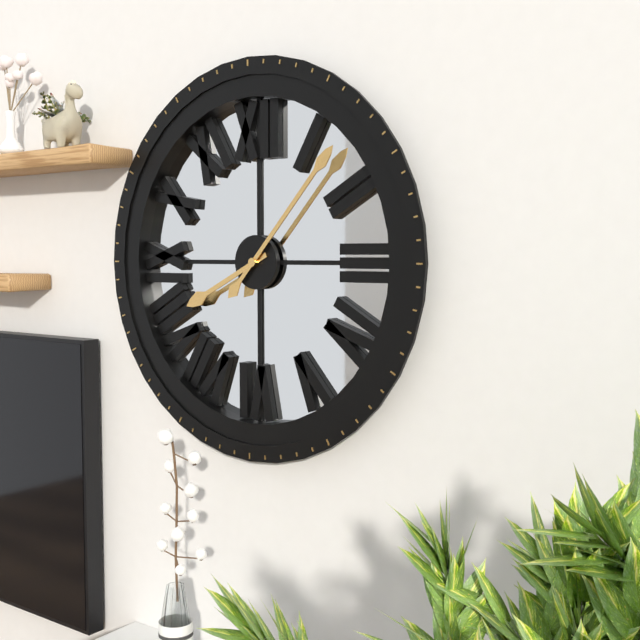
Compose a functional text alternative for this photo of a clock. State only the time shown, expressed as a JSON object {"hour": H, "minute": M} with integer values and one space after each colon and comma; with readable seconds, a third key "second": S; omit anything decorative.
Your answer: {"hour": 8, "minute": 7}
